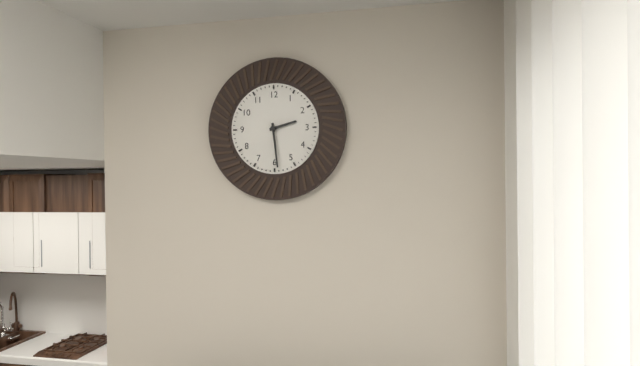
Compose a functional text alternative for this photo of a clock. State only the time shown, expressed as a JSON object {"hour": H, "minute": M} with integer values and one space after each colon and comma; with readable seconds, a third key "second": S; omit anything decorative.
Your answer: {"hour": 2, "minute": 29}
